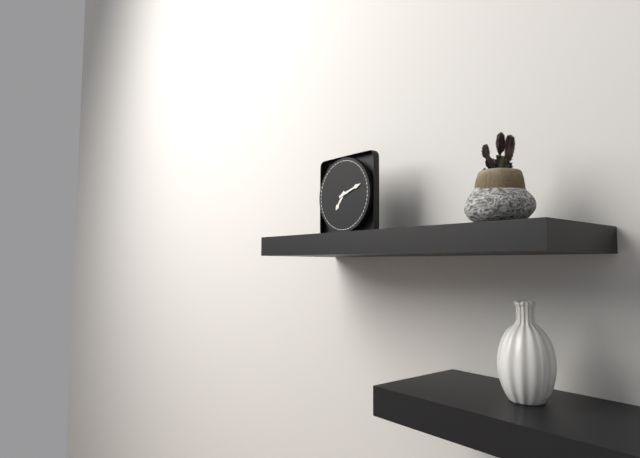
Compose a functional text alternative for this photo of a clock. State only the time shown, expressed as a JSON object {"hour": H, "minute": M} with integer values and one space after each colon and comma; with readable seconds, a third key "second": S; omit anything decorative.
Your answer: {"hour": 7, "minute": 12}
